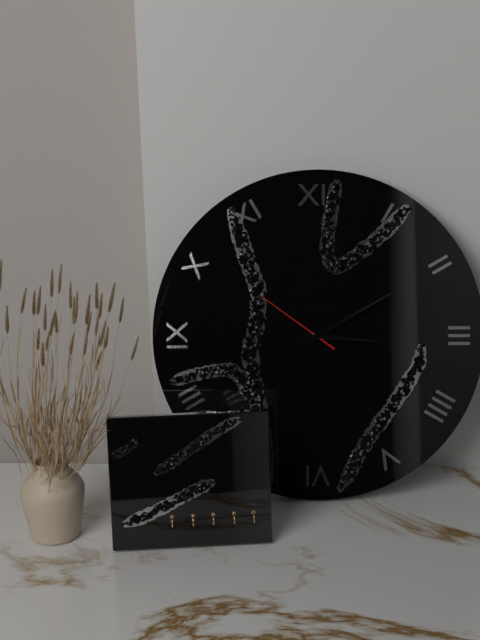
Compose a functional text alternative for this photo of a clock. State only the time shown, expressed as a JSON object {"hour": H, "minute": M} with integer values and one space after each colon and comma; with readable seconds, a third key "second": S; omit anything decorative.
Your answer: {"hour": 3, "minute": 10, "second": 51}
